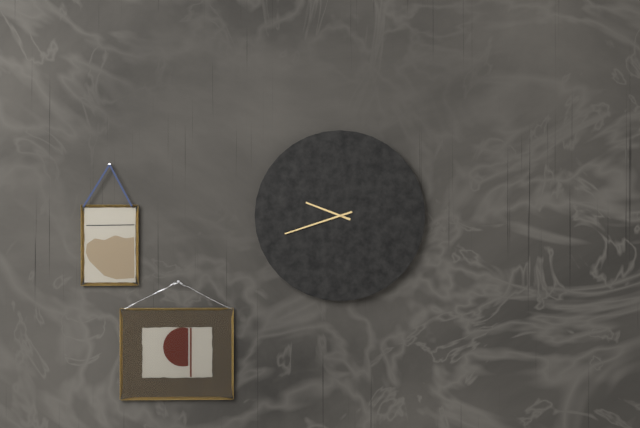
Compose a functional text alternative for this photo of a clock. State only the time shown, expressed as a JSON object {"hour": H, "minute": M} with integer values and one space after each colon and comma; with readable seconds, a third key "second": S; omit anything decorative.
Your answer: {"hour": 9, "minute": 42}
